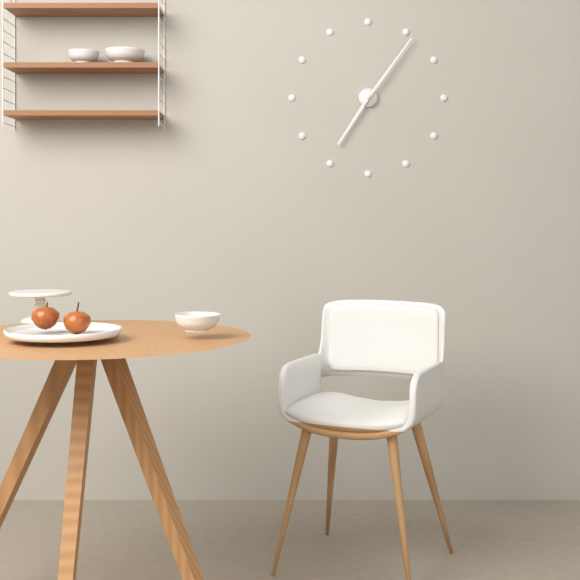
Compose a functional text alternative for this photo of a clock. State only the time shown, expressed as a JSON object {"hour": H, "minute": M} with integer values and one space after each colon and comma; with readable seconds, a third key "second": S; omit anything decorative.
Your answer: {"hour": 7, "minute": 6}
